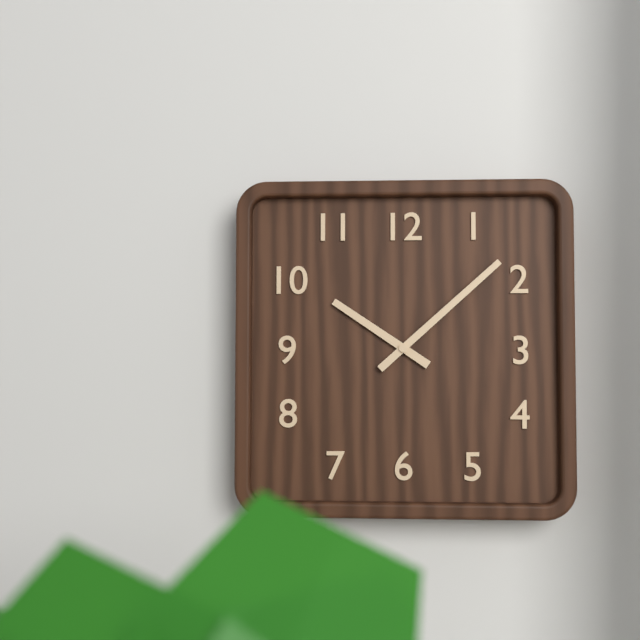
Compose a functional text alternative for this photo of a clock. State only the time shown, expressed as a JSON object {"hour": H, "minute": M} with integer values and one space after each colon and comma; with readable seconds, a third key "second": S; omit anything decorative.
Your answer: {"hour": 10, "minute": 8}
